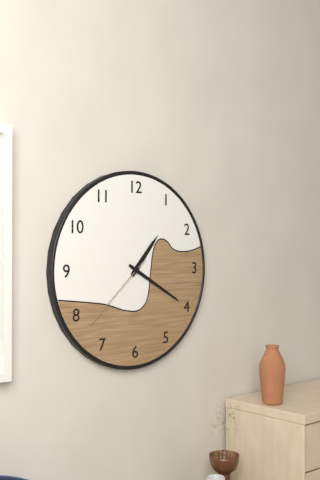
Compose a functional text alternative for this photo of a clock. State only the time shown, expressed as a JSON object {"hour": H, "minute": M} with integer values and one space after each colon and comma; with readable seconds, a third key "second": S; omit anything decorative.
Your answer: {"hour": 1, "minute": 20, "second": 38}
